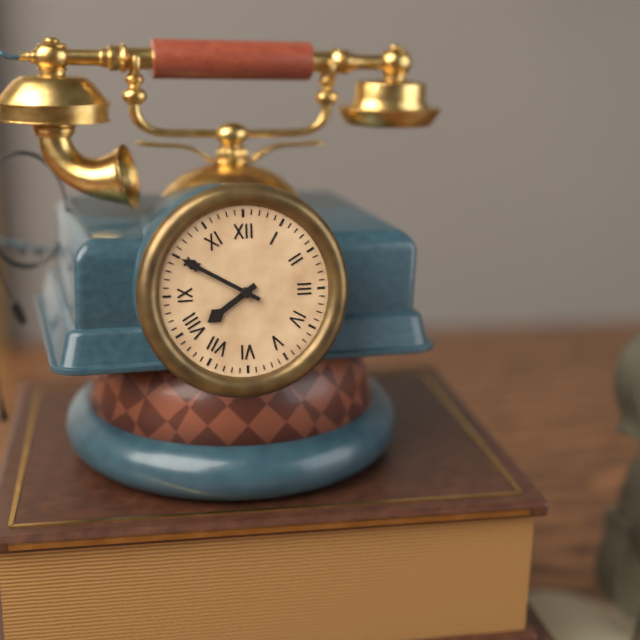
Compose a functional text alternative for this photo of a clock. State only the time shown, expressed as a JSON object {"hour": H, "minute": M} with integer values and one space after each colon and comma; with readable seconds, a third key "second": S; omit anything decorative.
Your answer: {"hour": 7, "minute": 50}
